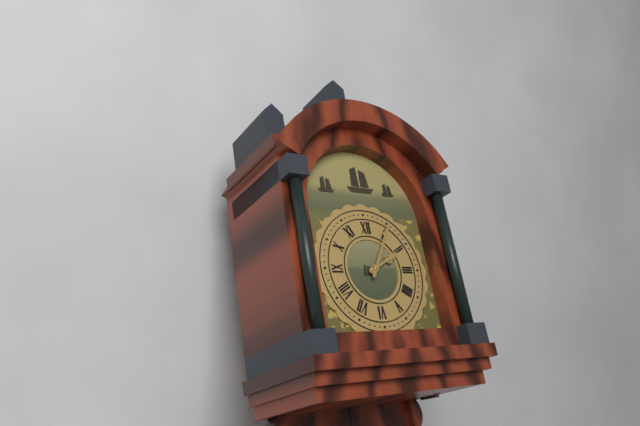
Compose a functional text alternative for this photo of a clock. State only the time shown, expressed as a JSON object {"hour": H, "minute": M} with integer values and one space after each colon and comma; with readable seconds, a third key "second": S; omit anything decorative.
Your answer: {"hour": 2, "minute": 5}
